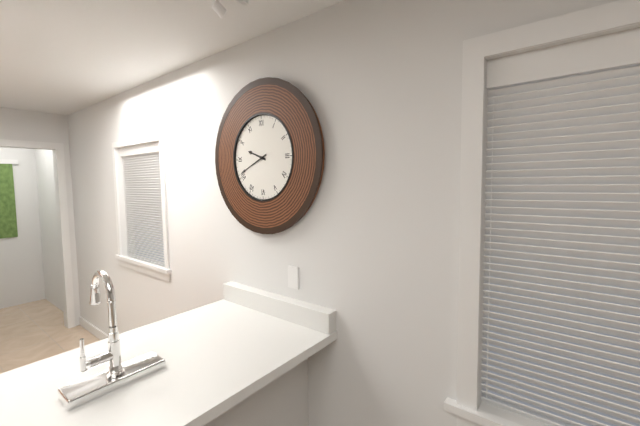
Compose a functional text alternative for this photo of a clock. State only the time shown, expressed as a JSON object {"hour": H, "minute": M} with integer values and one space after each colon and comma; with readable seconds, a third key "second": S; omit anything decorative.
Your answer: {"hour": 9, "minute": 41}
